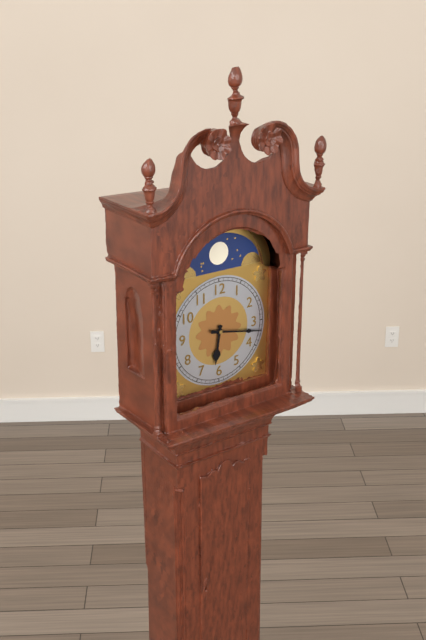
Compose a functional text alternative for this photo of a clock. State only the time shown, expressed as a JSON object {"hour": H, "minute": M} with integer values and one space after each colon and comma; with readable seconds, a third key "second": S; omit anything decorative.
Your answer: {"hour": 6, "minute": 17}
